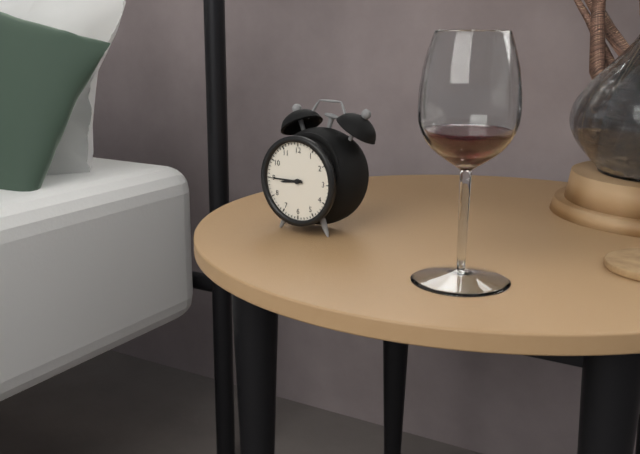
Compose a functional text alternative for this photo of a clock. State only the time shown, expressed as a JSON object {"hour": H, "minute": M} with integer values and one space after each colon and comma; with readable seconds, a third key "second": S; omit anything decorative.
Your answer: {"hour": 8, "minute": 45}
